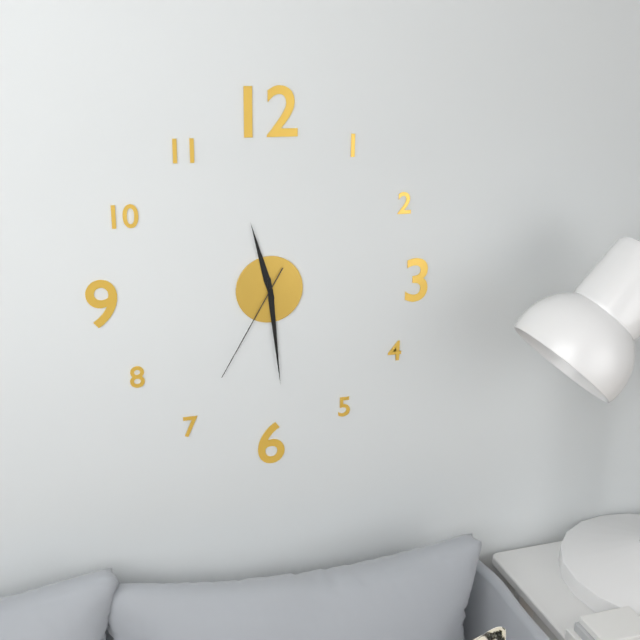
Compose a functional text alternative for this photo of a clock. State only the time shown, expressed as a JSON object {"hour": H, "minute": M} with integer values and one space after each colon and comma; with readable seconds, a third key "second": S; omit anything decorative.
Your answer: {"hour": 11, "minute": 29, "second": 35}
